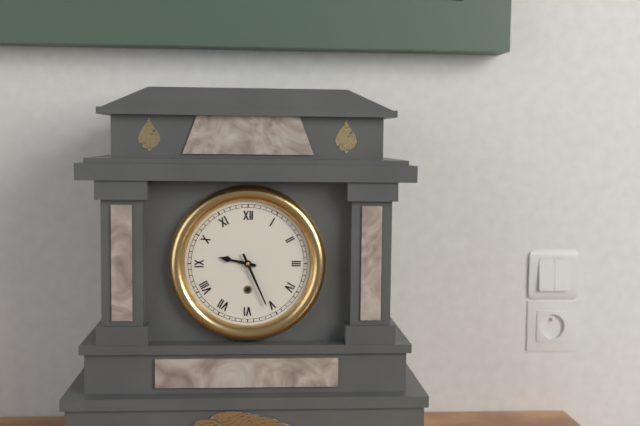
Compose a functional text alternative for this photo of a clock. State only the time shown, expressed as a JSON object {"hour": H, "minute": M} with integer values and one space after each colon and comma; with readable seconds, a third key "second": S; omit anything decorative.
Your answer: {"hour": 9, "minute": 26}
